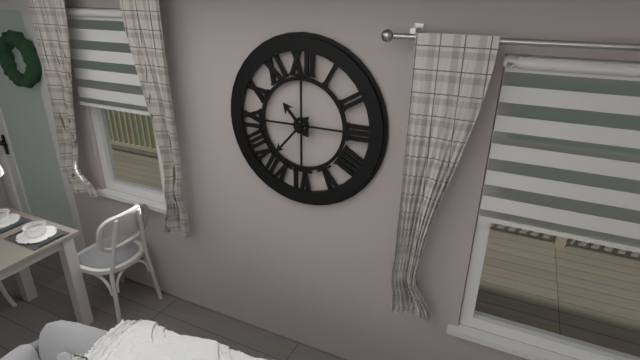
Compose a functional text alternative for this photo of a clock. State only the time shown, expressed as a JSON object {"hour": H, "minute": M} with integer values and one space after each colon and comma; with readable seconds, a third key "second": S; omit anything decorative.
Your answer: {"hour": 10, "minute": 37}
